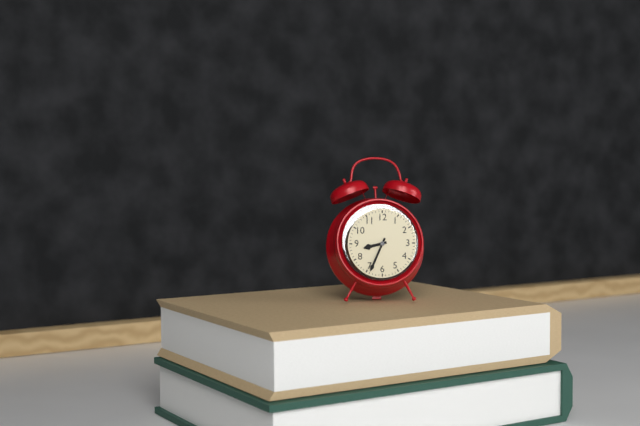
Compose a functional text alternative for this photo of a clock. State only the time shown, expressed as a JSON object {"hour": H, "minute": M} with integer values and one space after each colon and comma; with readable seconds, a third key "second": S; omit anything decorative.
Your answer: {"hour": 8, "minute": 34}
